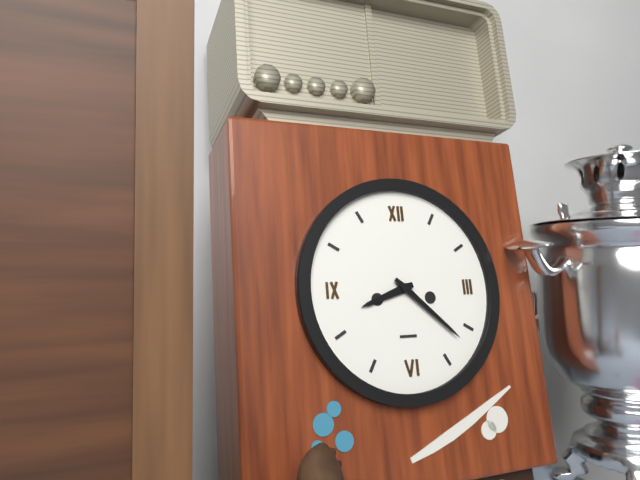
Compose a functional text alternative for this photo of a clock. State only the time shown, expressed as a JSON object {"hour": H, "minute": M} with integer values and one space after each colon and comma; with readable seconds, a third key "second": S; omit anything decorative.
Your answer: {"hour": 8, "minute": 22}
